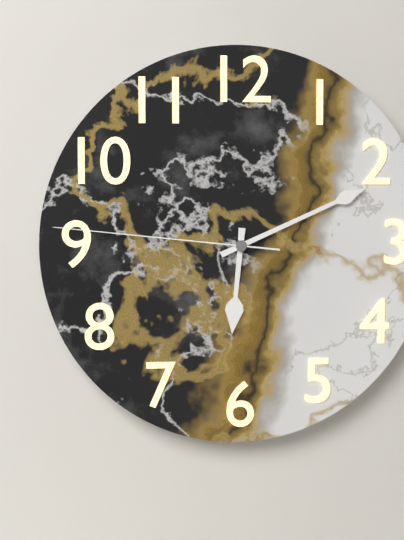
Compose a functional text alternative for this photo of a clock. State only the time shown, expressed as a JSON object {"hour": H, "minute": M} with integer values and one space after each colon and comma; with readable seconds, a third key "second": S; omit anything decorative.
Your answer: {"hour": 6, "minute": 11, "second": 46}
